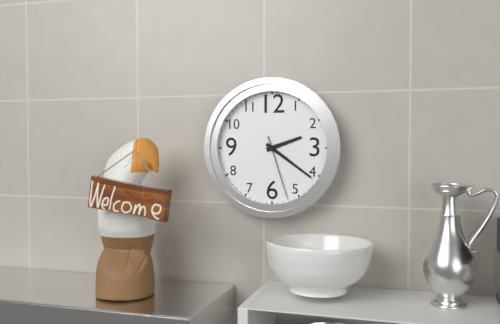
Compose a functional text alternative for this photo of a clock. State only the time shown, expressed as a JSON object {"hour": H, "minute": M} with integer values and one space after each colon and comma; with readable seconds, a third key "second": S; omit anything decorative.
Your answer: {"hour": 2, "minute": 21, "second": 27}
